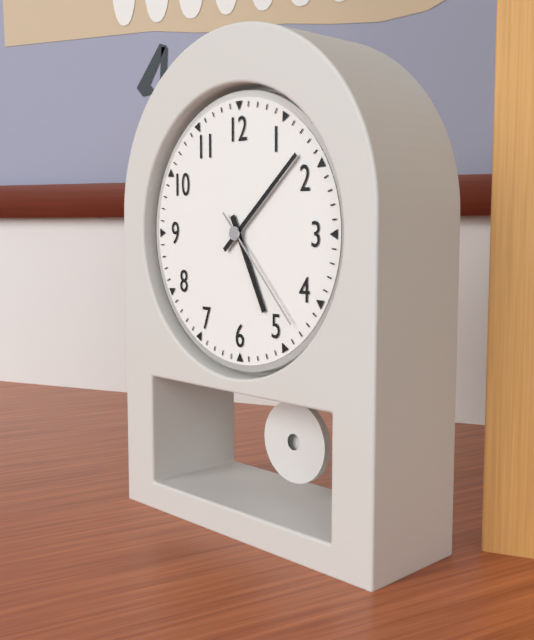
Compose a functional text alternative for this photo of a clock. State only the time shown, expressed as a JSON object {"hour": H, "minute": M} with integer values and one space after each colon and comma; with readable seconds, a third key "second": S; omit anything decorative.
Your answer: {"hour": 5, "minute": 8, "second": 23}
